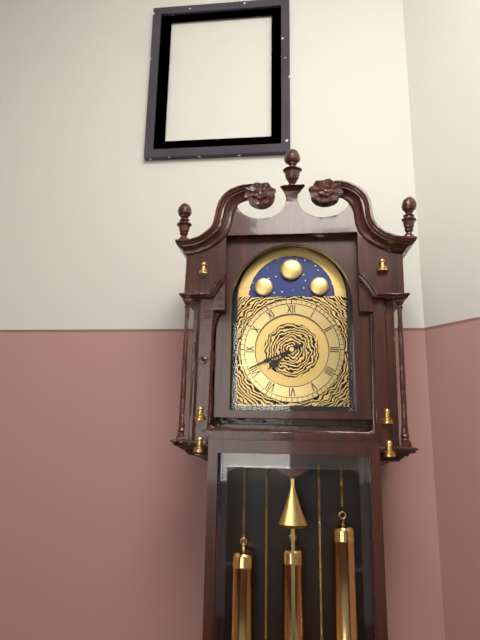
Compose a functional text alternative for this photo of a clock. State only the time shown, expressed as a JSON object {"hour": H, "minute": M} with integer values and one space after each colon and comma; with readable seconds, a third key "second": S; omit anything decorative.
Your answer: {"hour": 7, "minute": 41}
